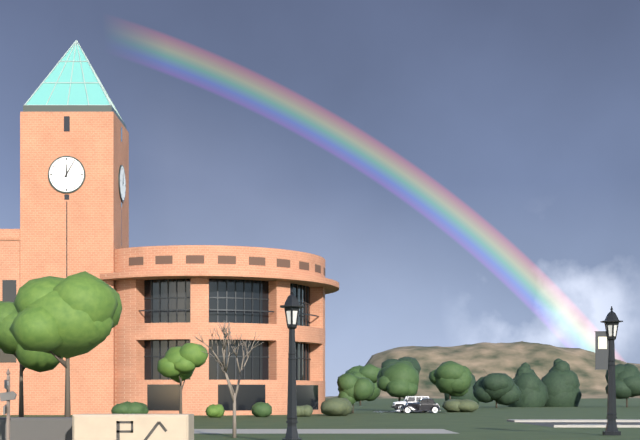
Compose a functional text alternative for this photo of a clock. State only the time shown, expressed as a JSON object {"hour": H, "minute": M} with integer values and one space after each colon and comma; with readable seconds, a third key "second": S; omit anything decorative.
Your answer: {"hour": 12, "minute": 5}
